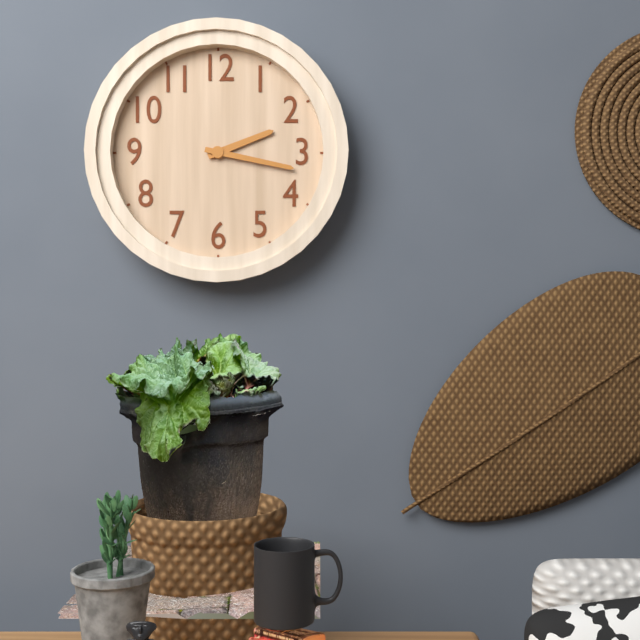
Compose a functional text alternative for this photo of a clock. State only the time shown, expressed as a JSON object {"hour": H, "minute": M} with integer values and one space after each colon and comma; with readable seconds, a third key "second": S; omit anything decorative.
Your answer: {"hour": 2, "minute": 17}
